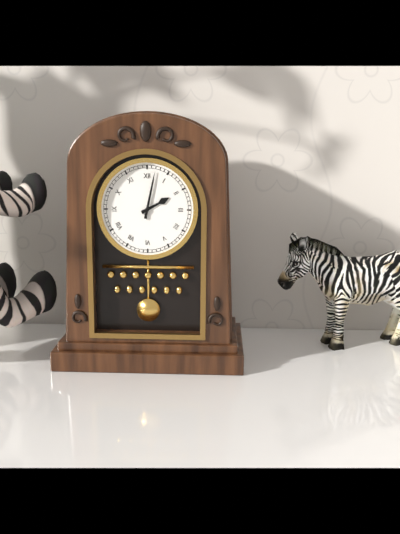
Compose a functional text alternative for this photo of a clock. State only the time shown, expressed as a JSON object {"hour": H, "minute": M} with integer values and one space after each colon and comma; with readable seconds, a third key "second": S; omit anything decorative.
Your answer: {"hour": 2, "minute": 2}
